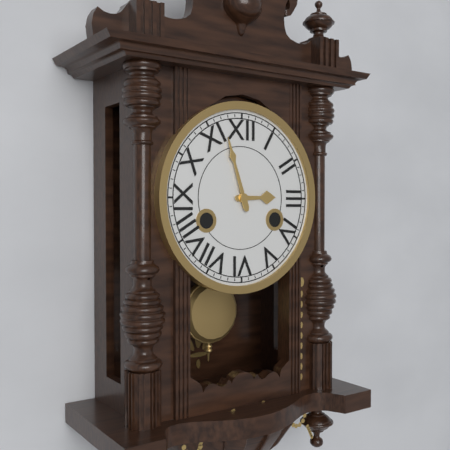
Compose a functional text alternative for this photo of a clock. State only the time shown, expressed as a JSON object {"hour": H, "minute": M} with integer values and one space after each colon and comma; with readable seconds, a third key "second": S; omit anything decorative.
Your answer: {"hour": 2, "minute": 57}
